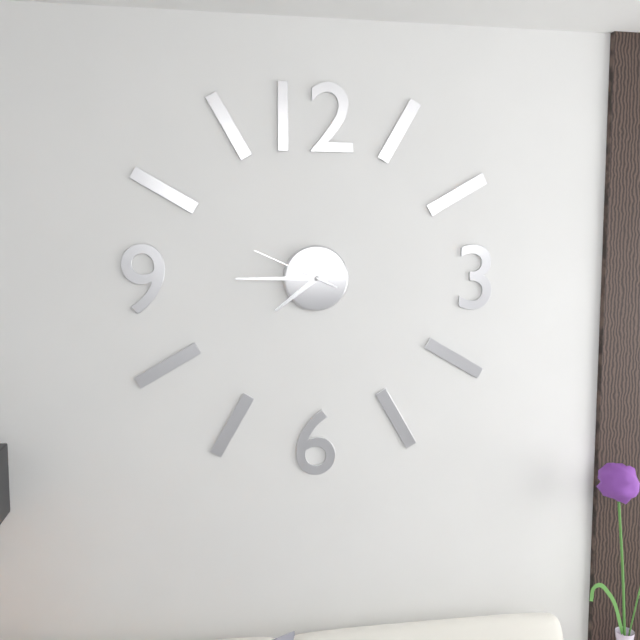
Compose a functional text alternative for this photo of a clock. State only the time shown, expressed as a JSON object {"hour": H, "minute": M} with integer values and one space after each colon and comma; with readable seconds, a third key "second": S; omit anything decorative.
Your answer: {"hour": 7, "minute": 45, "second": 49}
